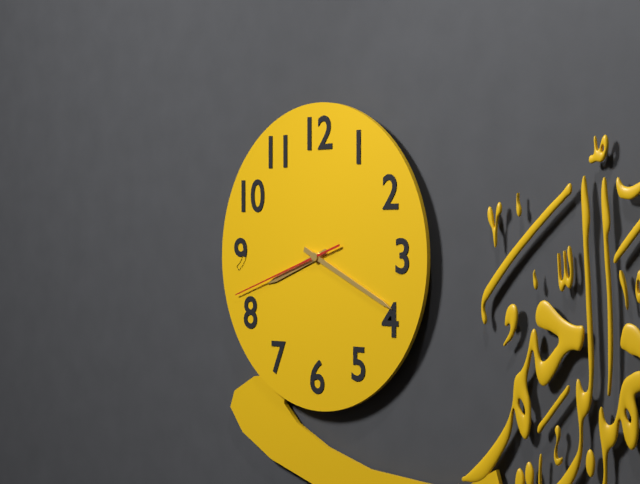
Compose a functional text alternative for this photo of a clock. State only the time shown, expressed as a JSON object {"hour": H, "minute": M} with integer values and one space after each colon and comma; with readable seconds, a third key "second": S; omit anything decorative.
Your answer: {"hour": 8, "minute": 19, "second": 42}
